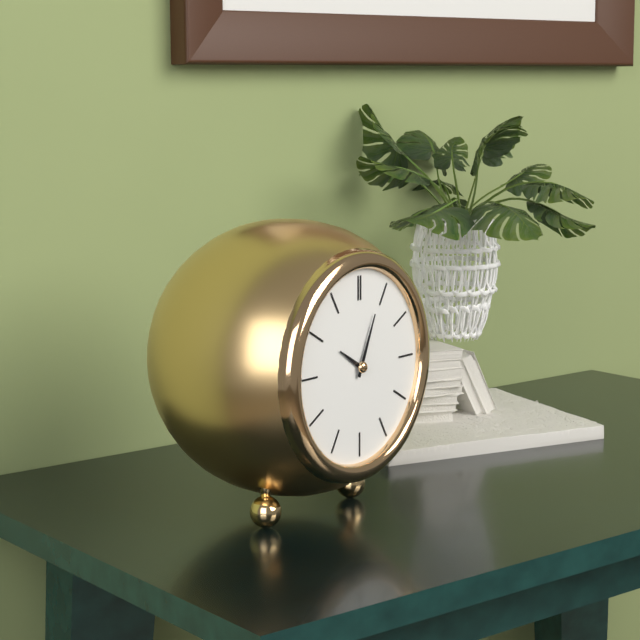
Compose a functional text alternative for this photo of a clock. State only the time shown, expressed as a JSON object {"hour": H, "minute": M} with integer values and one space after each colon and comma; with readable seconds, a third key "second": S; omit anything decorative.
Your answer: {"hour": 10, "minute": 4}
